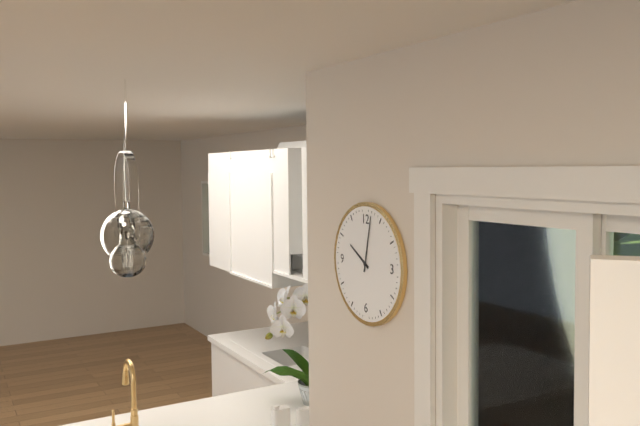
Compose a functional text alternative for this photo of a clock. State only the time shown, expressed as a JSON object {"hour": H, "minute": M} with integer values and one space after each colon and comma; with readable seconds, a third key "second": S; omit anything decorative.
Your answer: {"hour": 10, "minute": 2}
